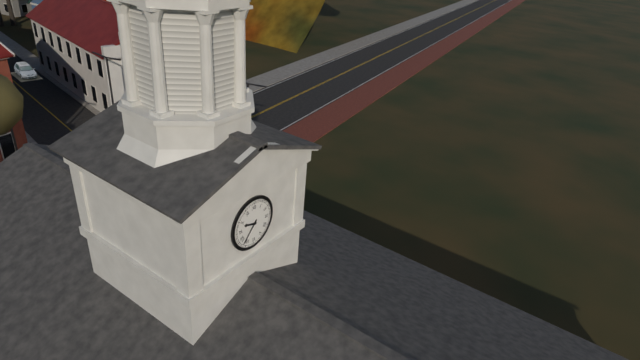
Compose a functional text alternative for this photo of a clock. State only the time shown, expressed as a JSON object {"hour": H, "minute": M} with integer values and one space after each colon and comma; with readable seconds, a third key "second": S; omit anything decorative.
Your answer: {"hour": 9, "minute": 37}
